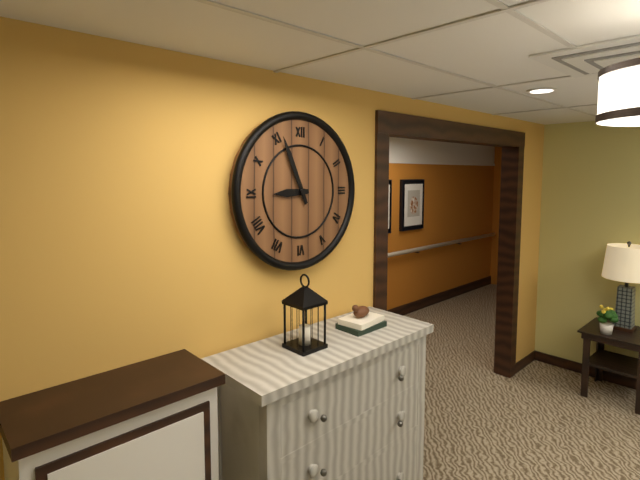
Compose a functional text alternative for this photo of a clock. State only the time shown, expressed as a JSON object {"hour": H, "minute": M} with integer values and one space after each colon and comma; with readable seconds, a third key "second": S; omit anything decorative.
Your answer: {"hour": 8, "minute": 56}
